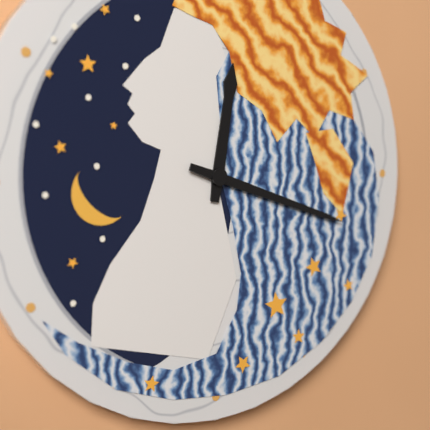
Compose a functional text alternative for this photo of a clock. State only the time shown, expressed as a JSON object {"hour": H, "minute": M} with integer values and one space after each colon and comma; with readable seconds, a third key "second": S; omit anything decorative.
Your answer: {"hour": 12, "minute": 18}
